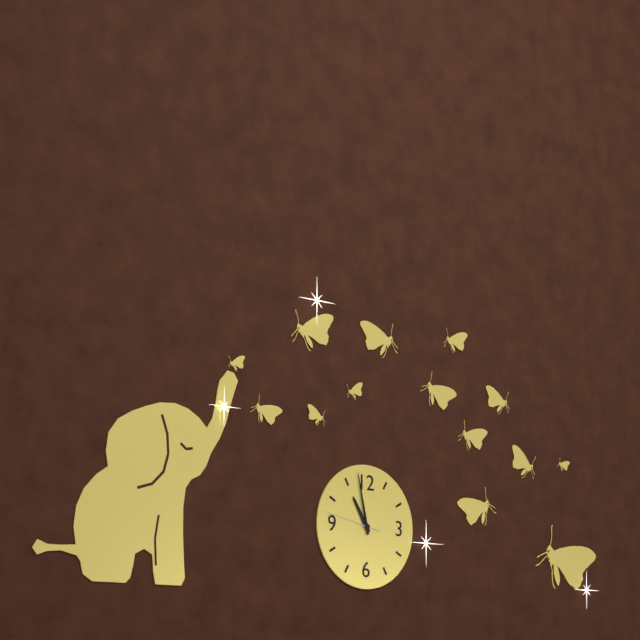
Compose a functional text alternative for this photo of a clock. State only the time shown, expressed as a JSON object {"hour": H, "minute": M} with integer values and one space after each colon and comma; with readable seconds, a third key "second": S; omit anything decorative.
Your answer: {"hour": 10, "minute": 58, "second": 47}
